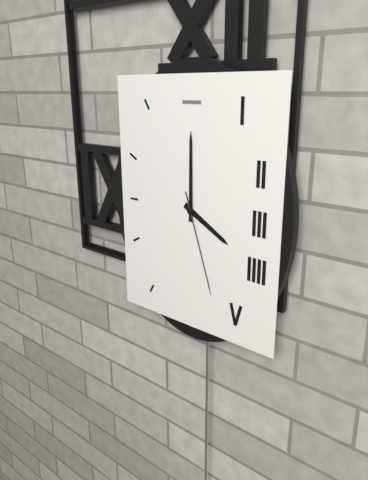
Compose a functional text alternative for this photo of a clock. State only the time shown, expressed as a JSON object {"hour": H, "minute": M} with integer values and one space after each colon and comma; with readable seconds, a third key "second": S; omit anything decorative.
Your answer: {"hour": 4, "minute": 0, "second": 27}
